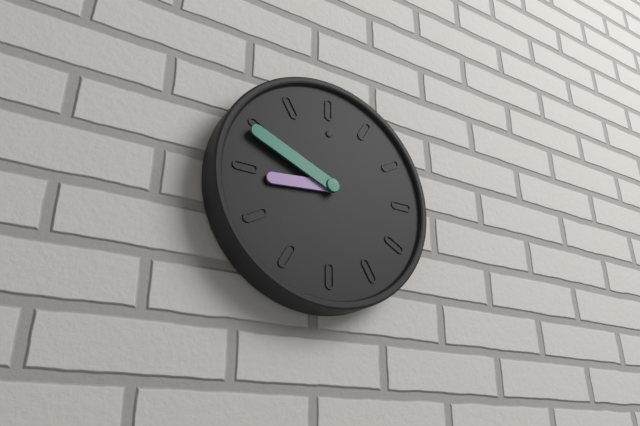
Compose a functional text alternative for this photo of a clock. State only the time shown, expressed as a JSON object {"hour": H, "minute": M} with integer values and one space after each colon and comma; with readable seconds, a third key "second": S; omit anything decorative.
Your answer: {"hour": 8, "minute": 49}
